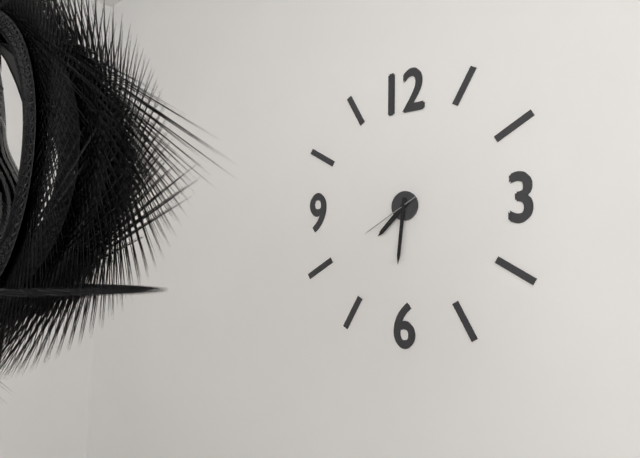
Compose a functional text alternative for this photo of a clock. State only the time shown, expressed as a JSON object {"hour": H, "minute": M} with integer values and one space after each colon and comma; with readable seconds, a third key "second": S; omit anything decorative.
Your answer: {"hour": 7, "minute": 31, "second": 40}
